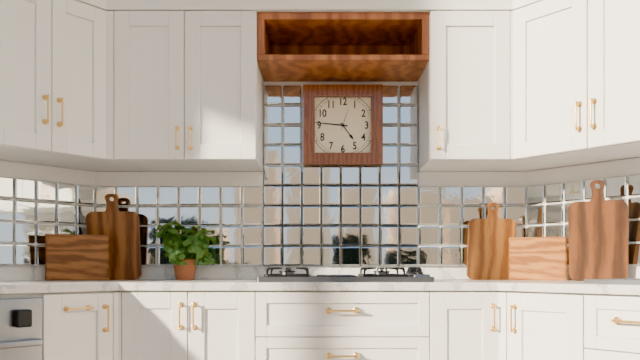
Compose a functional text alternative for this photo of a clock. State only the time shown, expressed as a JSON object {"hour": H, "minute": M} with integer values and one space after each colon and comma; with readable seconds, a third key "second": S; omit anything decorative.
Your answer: {"hour": 4, "minute": 46}
